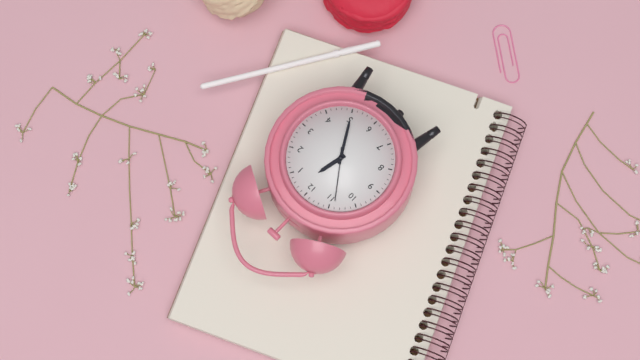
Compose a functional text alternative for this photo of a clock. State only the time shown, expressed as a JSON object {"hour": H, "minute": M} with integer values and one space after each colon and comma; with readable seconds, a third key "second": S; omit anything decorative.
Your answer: {"hour": 12, "minute": 25, "second": 54}
